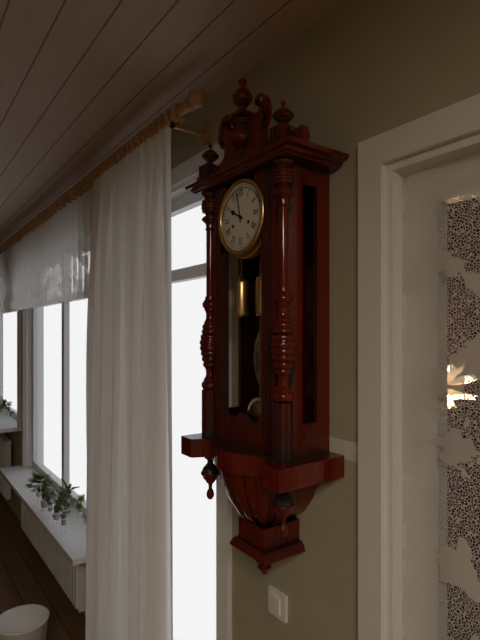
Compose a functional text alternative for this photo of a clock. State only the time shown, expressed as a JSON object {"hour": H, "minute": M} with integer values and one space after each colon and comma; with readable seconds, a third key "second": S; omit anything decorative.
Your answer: {"hour": 9, "minute": 58}
